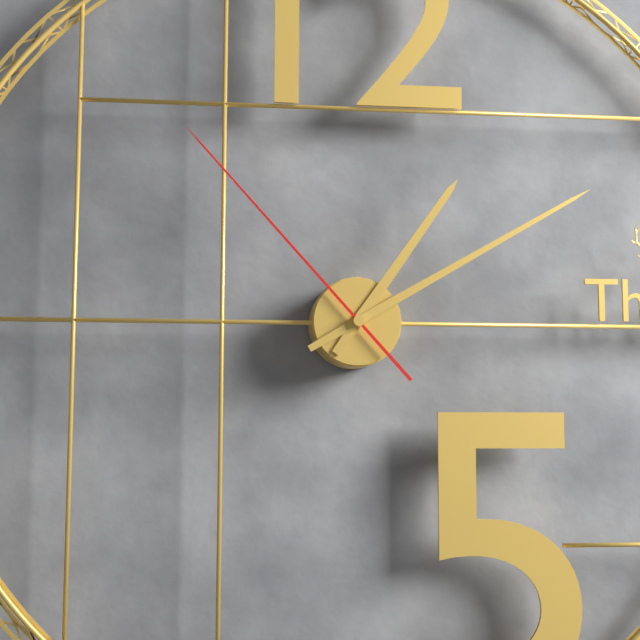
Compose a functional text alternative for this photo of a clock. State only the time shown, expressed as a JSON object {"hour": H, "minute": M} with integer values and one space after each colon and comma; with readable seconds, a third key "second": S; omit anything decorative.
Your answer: {"hour": 1, "minute": 10, "second": 53}
